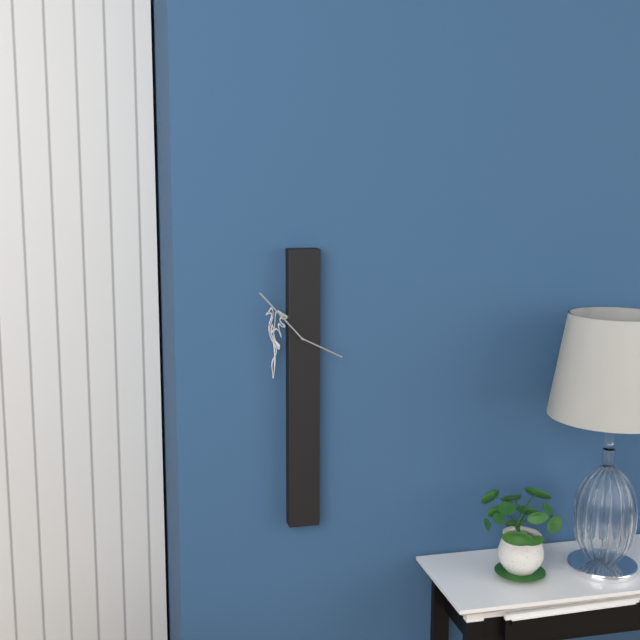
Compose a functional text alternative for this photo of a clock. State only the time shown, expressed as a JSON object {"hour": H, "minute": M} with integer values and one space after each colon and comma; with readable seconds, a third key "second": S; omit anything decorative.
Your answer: {"hour": 3, "minute": 53}
